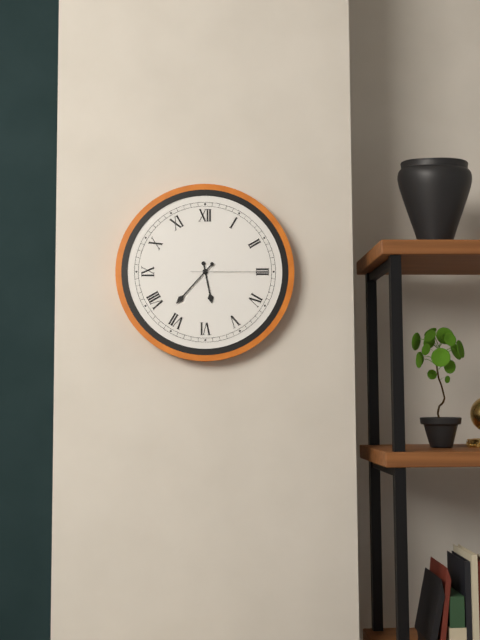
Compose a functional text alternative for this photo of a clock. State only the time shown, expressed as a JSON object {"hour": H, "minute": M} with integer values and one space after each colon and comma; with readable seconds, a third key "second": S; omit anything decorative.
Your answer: {"hour": 5, "minute": 37, "second": 15}
